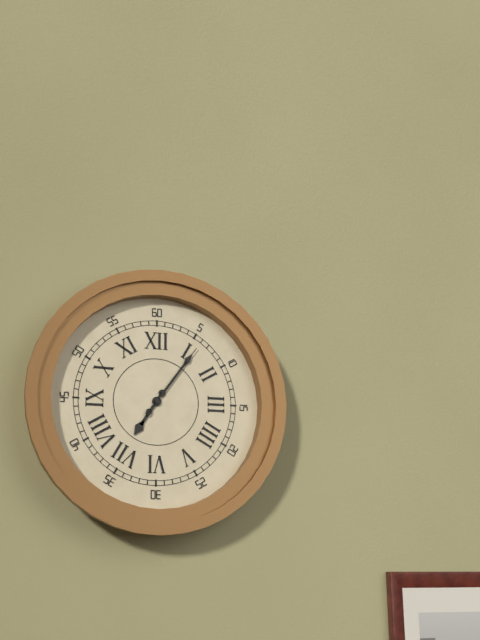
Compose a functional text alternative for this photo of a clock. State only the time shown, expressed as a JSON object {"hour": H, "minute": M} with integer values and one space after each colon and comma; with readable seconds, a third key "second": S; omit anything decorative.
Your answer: {"hour": 7, "minute": 6, "second": 6}
